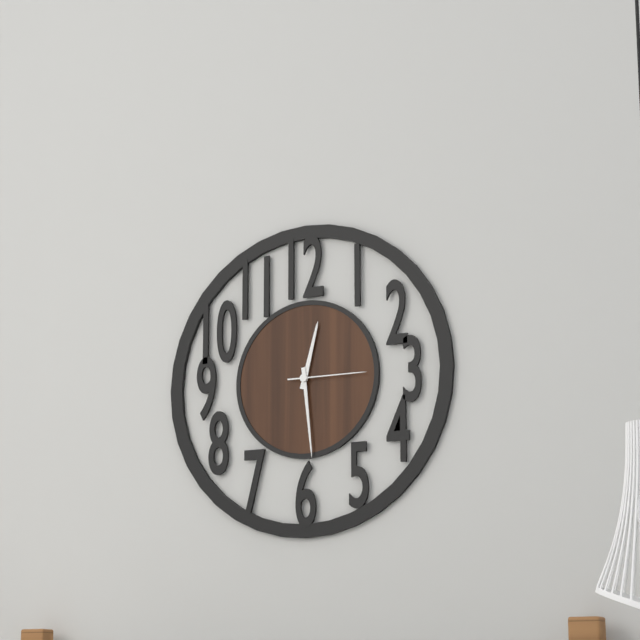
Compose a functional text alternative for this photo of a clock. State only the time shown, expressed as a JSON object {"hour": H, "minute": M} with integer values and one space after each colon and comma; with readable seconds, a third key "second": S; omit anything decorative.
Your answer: {"hour": 12, "minute": 29, "second": 15}
